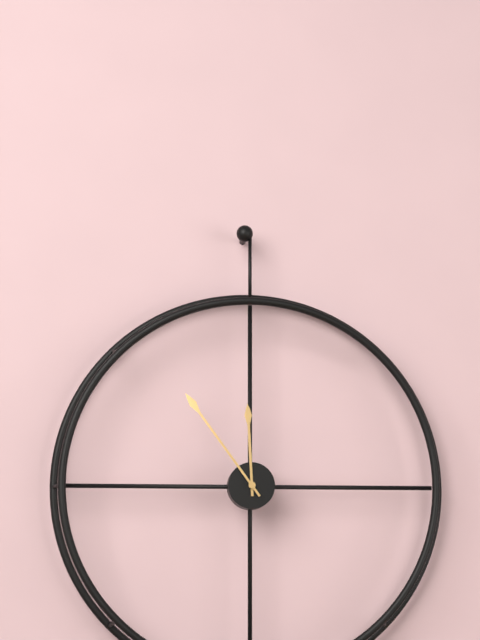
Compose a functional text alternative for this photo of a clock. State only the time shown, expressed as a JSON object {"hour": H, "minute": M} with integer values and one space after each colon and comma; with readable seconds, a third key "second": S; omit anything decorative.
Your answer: {"hour": 11, "minute": 54}
